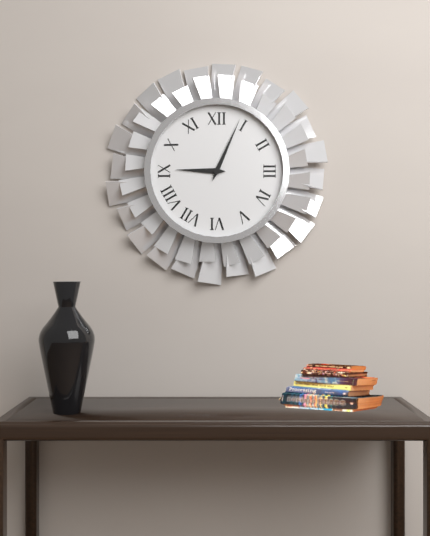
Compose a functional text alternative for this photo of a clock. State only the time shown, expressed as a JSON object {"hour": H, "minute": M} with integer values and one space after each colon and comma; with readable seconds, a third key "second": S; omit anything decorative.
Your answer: {"hour": 9, "minute": 4}
